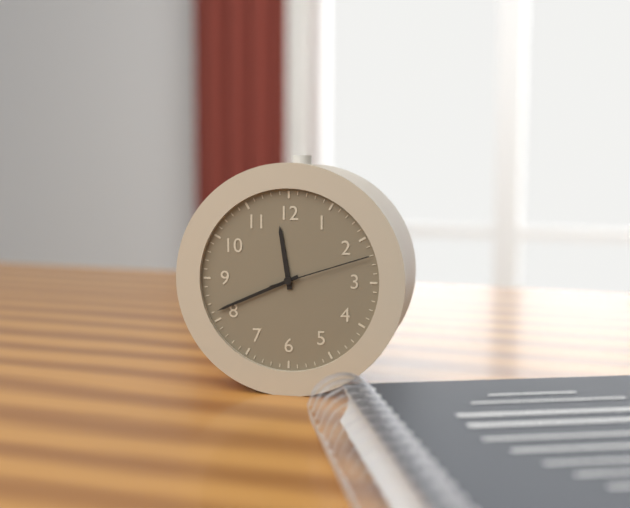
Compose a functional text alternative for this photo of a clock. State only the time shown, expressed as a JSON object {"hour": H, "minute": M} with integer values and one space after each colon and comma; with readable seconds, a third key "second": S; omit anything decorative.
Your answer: {"hour": 11, "minute": 41, "second": 12}
